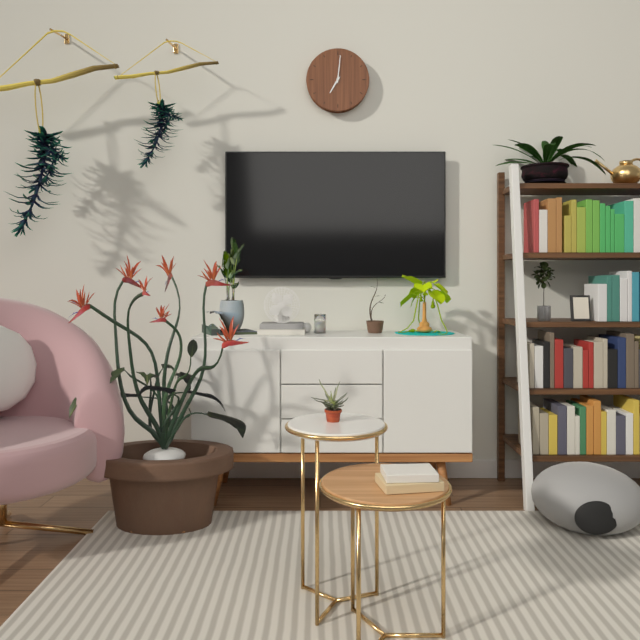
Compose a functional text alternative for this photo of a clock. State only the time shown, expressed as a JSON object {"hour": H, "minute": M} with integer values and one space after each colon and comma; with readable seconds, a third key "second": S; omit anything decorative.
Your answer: {"hour": 7, "minute": 1}
